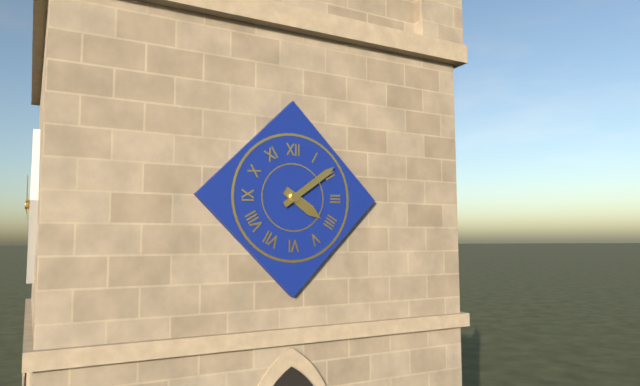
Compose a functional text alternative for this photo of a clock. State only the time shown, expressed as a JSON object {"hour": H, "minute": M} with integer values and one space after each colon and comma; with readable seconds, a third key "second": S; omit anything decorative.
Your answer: {"hour": 4, "minute": 9}
